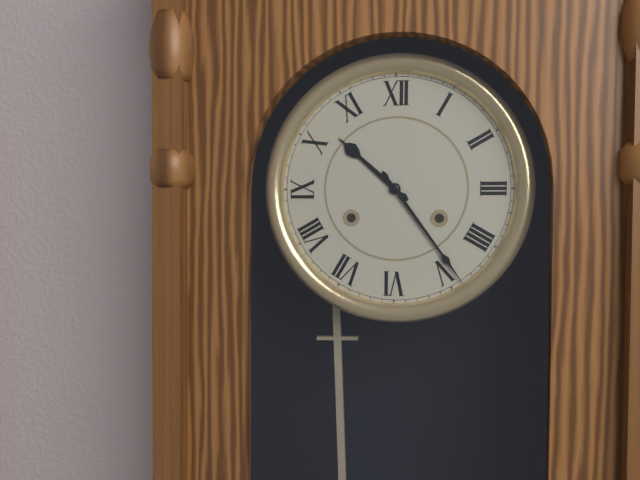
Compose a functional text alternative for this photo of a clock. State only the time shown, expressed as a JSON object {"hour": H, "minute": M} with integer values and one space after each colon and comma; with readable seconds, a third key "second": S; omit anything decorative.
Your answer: {"hour": 10, "minute": 24}
